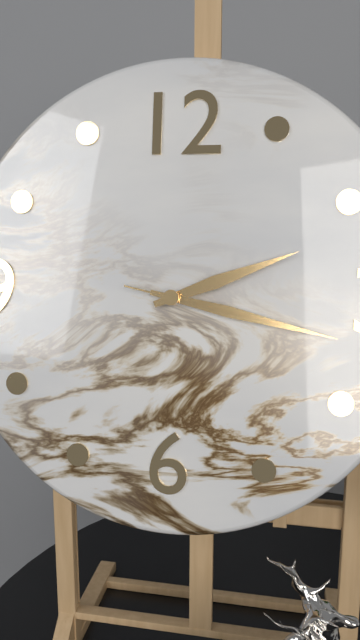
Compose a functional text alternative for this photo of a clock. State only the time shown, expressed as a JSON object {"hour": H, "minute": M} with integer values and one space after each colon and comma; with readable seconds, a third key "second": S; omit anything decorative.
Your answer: {"hour": 2, "minute": 17, "second": 17}
